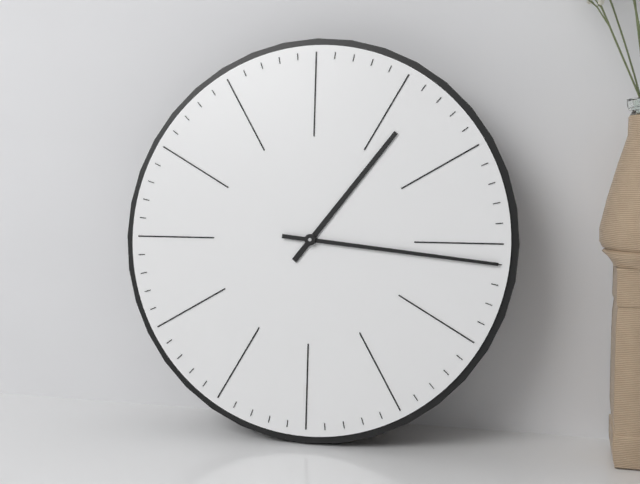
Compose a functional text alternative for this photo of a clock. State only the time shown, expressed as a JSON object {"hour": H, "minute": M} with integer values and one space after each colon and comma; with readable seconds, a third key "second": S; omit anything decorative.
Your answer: {"hour": 1, "minute": 16}
